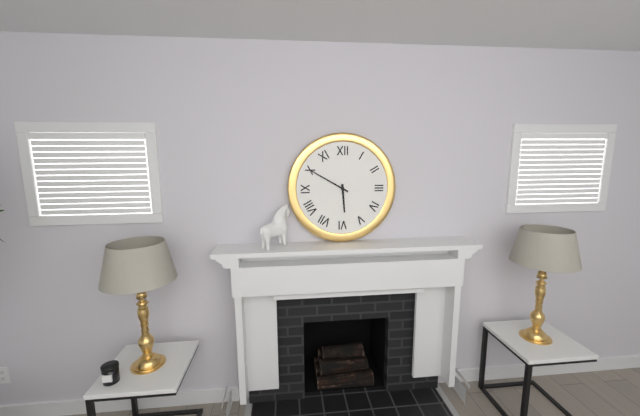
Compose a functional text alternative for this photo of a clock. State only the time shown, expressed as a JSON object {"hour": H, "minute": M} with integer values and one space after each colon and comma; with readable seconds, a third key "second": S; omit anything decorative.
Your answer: {"hour": 5, "minute": 50}
